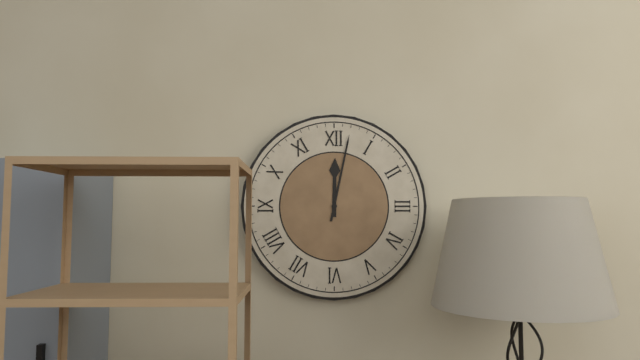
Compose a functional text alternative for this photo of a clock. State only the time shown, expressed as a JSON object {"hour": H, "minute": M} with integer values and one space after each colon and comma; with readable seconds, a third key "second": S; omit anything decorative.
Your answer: {"hour": 12, "minute": 2}
